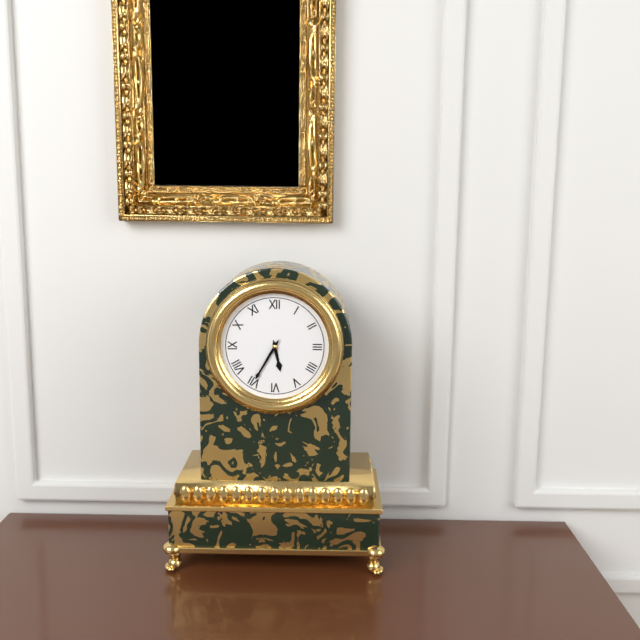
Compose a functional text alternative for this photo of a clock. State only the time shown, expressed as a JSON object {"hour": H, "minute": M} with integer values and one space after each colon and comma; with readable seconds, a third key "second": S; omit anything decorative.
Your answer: {"hour": 5, "minute": 35}
